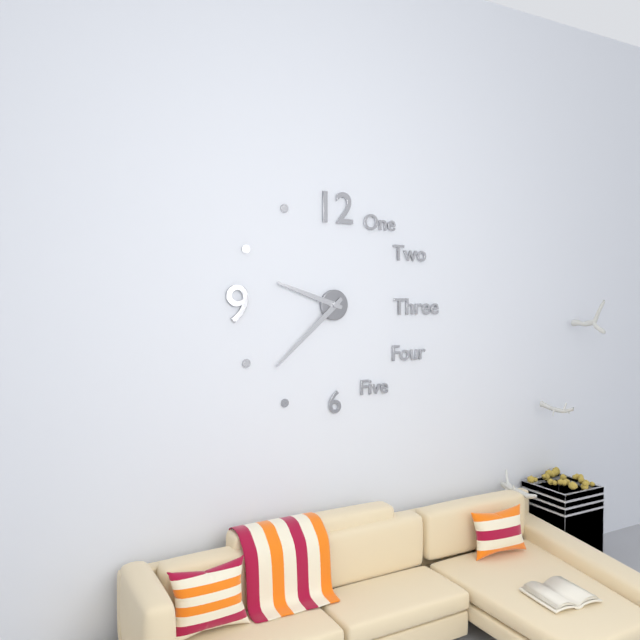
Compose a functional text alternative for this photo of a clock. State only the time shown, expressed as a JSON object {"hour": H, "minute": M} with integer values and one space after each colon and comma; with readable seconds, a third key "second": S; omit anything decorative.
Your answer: {"hour": 9, "minute": 38}
